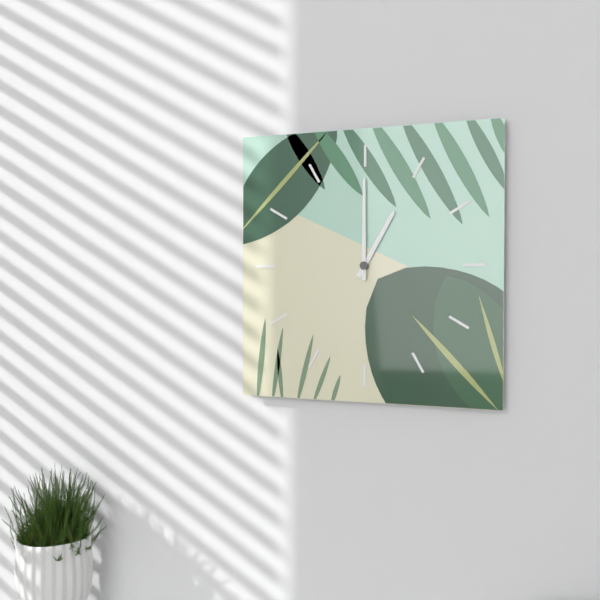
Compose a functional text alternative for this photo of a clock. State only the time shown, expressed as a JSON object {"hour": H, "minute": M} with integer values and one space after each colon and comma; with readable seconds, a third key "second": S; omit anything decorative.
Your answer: {"hour": 1, "minute": 0}
